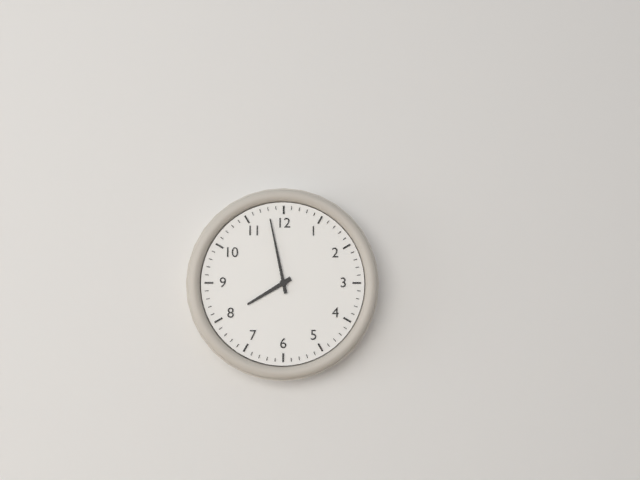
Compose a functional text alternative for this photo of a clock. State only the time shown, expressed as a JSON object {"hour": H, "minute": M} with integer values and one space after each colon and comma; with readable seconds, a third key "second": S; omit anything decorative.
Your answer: {"hour": 7, "minute": 58}
